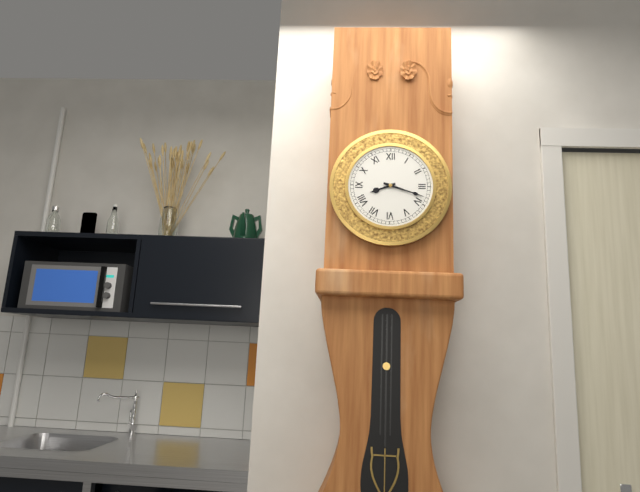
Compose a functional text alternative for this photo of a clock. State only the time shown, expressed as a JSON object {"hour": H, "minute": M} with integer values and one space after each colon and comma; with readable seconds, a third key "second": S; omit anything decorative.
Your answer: {"hour": 8, "minute": 18}
